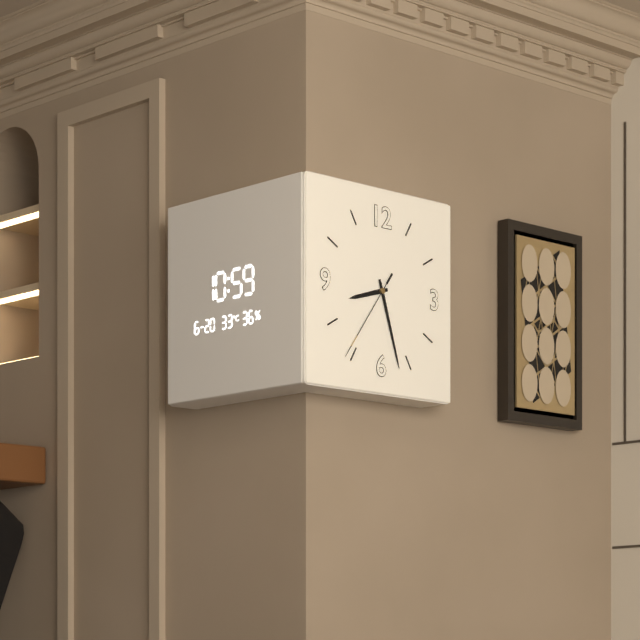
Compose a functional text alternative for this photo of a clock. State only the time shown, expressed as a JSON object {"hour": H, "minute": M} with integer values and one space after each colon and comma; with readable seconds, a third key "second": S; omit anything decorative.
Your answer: {"hour": 8, "minute": 27, "second": 36}
